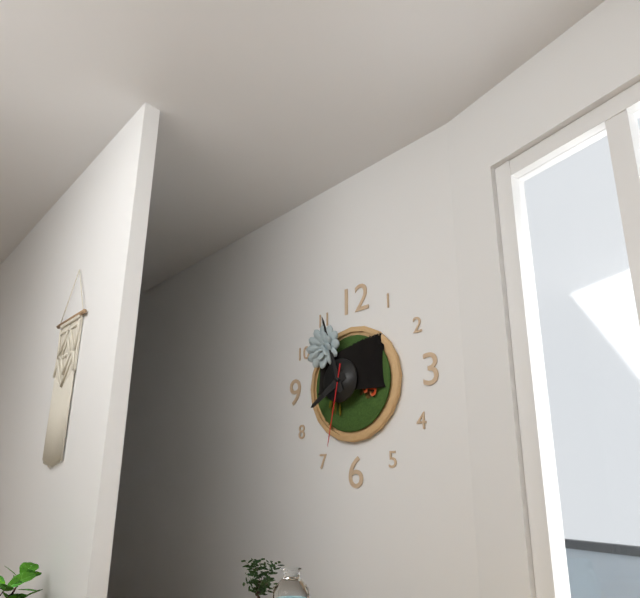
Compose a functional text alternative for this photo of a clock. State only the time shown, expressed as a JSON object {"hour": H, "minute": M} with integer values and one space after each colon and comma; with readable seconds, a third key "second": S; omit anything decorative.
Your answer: {"hour": 7, "minute": 57, "second": 32}
